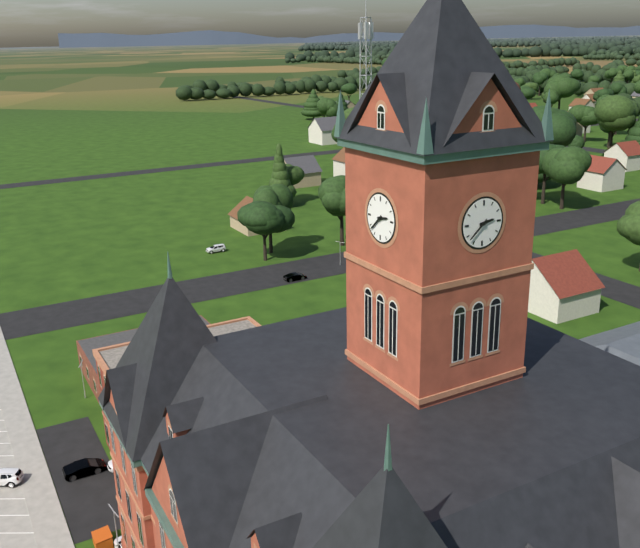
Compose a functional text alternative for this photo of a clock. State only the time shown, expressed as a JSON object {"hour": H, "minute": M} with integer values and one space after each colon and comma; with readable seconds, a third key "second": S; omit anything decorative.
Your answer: {"hour": 2, "minute": 38}
